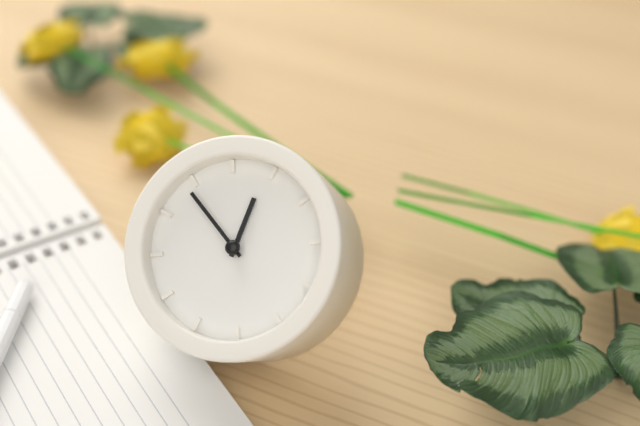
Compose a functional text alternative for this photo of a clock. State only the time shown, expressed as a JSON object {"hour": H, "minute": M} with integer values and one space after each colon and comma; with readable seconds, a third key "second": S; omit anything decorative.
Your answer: {"hour": 11, "minute": 49}
